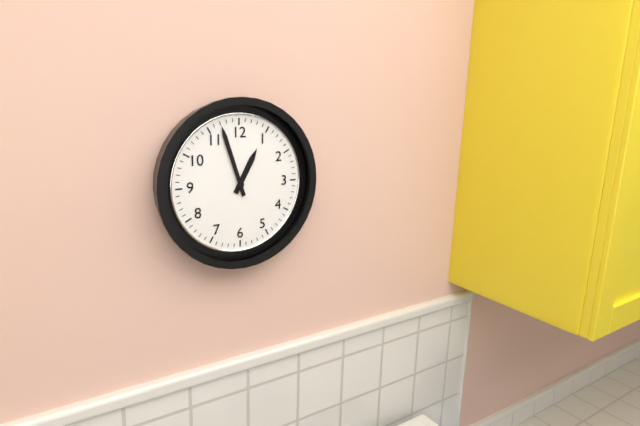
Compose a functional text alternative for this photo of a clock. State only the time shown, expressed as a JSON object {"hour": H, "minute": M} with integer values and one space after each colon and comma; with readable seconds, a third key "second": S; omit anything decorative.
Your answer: {"hour": 12, "minute": 57}
